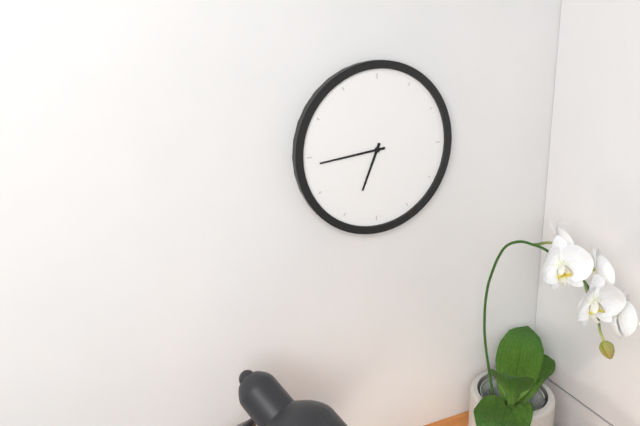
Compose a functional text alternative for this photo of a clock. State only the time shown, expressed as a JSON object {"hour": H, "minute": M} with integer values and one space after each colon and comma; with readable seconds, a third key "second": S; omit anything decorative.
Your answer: {"hour": 6, "minute": 44}
